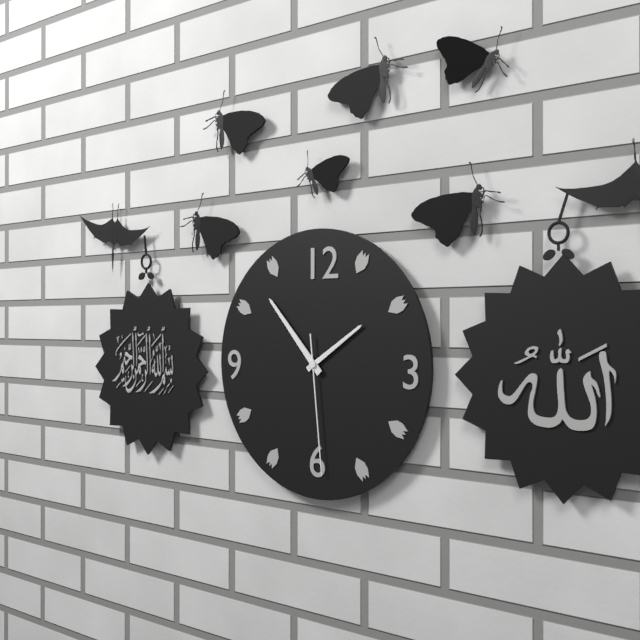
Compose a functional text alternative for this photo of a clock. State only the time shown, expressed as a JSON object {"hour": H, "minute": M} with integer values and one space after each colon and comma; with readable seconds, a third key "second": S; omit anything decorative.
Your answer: {"hour": 1, "minute": 53, "second": 29}
